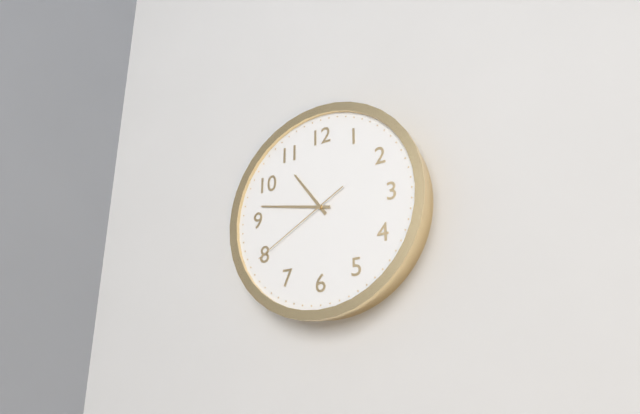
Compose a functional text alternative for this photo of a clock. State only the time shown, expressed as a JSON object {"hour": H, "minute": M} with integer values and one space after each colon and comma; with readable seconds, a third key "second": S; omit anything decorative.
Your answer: {"hour": 10, "minute": 47, "second": 40}
